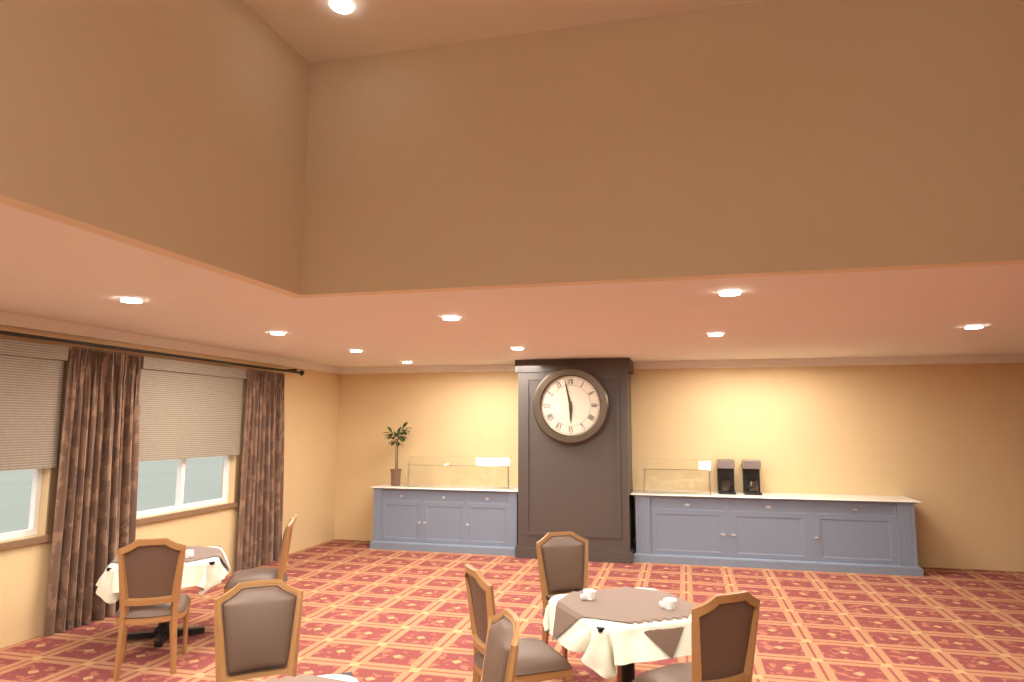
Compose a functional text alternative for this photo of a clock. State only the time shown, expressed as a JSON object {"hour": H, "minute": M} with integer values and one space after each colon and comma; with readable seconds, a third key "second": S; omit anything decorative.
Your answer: {"hour": 5, "minute": 58}
